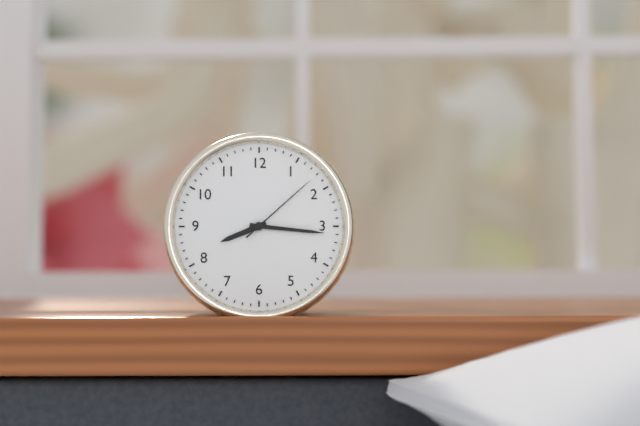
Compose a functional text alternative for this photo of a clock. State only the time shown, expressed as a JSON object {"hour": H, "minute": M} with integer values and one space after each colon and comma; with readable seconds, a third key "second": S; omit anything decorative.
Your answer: {"hour": 8, "minute": 16, "second": 8}
